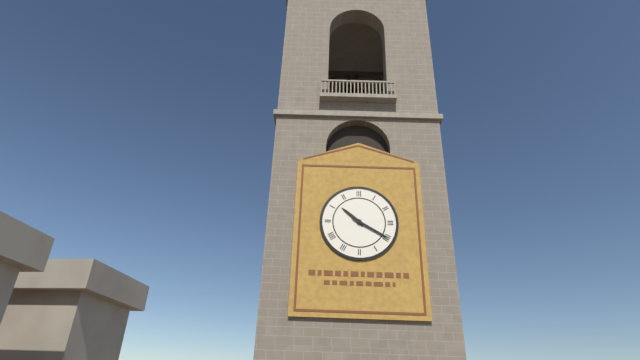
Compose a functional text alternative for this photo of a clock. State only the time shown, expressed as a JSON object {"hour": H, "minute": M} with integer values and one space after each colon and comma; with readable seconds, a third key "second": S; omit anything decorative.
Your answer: {"hour": 10, "minute": 20}
